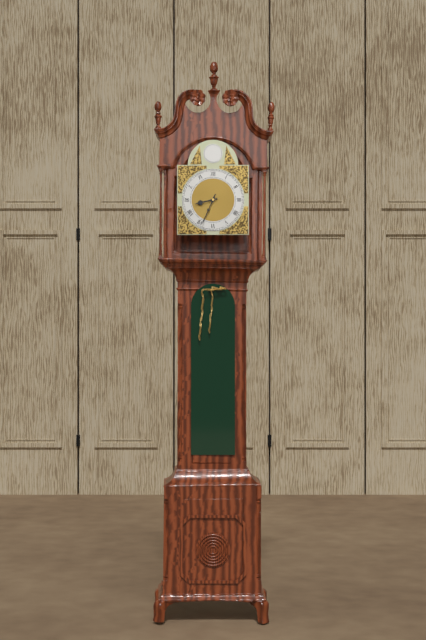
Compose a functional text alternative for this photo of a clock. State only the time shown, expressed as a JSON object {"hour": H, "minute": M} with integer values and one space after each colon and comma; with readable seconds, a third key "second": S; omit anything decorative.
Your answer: {"hour": 8, "minute": 34}
